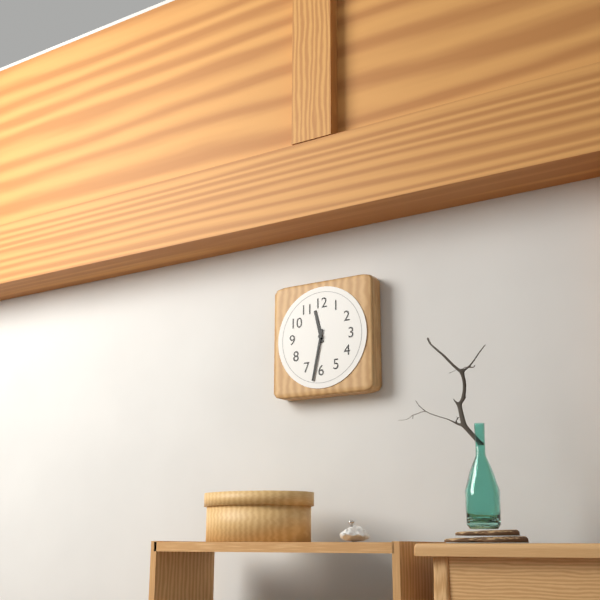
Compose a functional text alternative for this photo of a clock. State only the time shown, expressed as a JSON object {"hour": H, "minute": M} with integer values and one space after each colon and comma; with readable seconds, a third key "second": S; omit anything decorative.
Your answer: {"hour": 11, "minute": 32}
